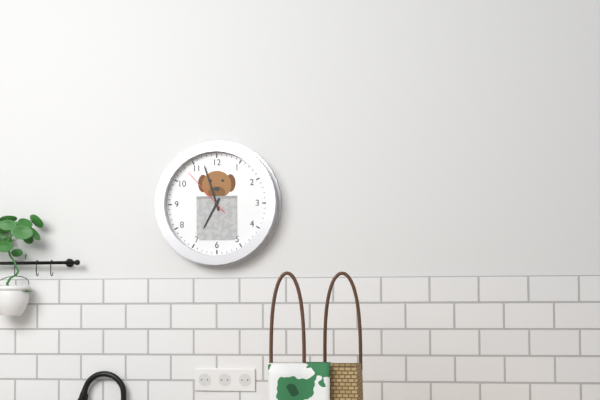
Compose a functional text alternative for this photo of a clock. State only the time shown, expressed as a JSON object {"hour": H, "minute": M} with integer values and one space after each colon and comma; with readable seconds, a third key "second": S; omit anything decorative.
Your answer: {"hour": 6, "minute": 57, "second": 53}
